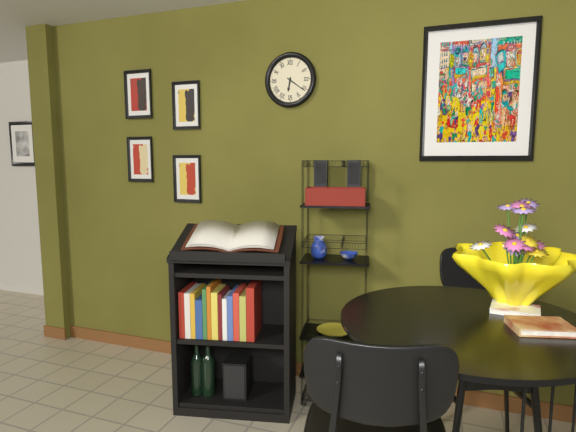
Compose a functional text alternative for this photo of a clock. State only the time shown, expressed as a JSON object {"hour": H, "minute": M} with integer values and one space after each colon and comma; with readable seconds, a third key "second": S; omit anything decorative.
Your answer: {"hour": 6, "minute": 21}
